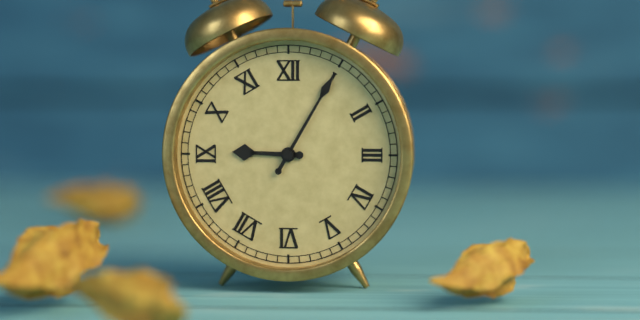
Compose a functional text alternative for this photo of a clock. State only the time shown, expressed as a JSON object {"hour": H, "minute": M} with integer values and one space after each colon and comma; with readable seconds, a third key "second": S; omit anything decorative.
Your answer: {"hour": 9, "minute": 5}
